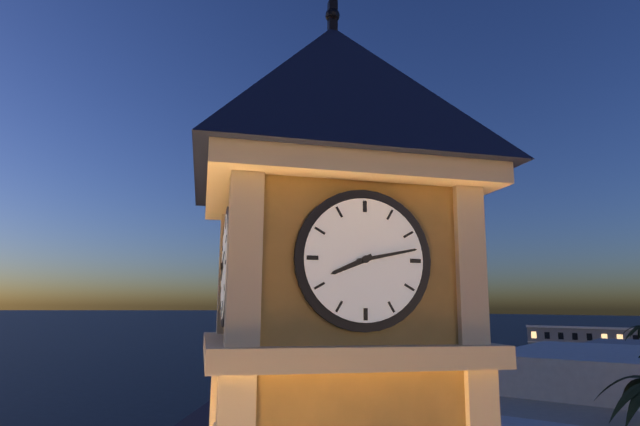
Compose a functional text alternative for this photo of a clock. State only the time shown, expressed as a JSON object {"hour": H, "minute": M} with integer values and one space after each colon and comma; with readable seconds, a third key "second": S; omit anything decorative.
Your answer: {"hour": 8, "minute": 13}
